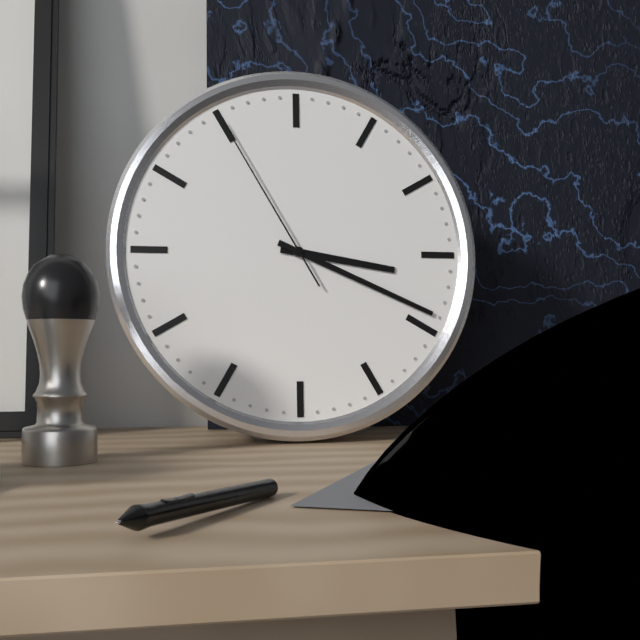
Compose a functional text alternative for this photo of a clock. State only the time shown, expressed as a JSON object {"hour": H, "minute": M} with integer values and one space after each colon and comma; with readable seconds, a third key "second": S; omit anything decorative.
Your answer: {"hour": 3, "minute": 19, "second": 55}
